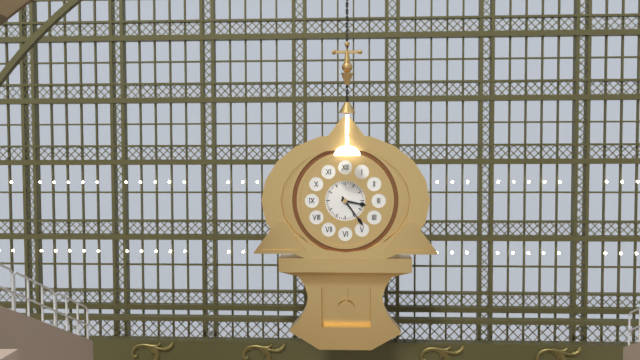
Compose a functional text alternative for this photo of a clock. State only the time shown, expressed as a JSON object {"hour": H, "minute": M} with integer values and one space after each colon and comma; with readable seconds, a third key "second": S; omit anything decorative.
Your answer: {"hour": 3, "minute": 24}
